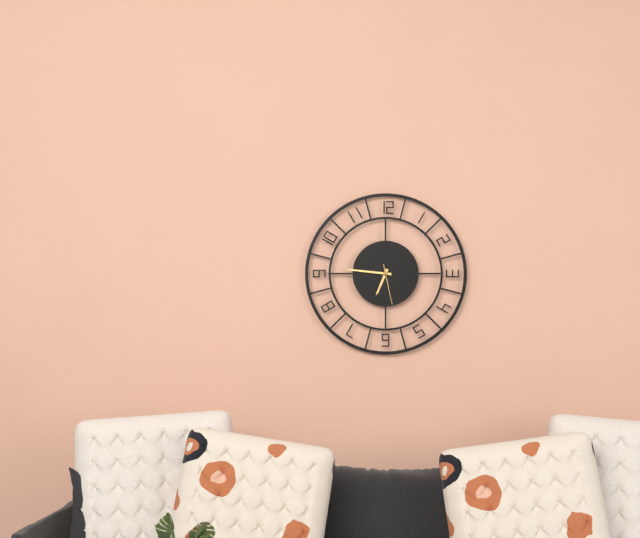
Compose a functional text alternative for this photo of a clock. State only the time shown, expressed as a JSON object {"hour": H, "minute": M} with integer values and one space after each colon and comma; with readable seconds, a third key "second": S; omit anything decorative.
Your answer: {"hour": 6, "minute": 46}
